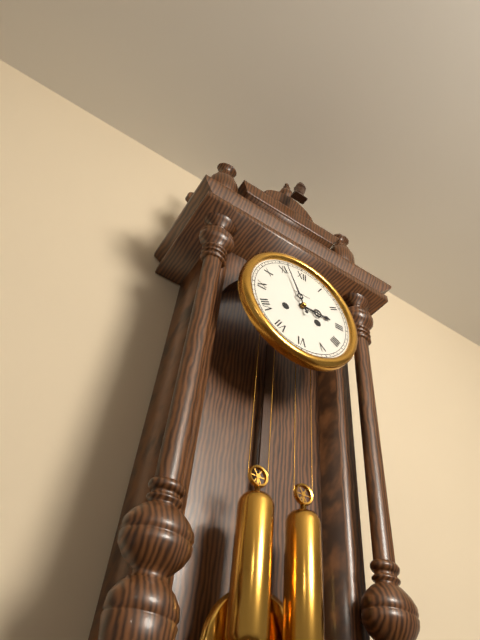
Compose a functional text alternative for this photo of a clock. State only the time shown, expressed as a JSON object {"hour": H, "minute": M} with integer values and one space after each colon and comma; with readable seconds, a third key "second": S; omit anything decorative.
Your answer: {"hour": 2, "minute": 56}
